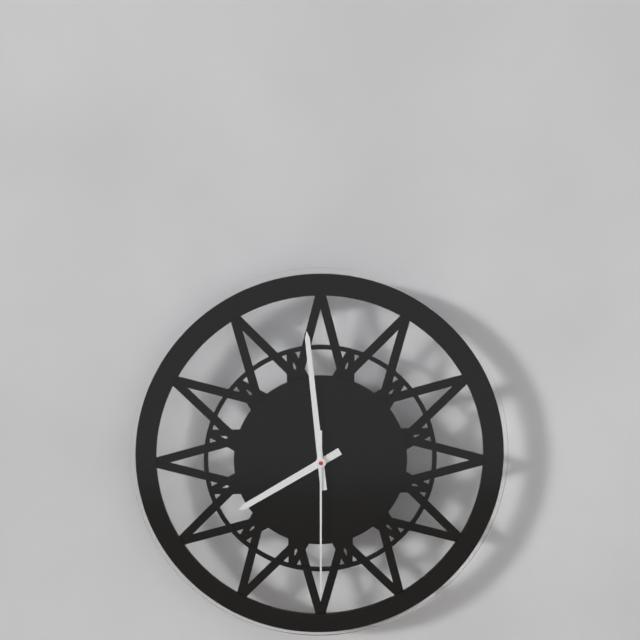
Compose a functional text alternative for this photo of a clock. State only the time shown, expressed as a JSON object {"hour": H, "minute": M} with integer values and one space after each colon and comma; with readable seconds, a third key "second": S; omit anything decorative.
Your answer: {"hour": 7, "minute": 59, "second": 30}
